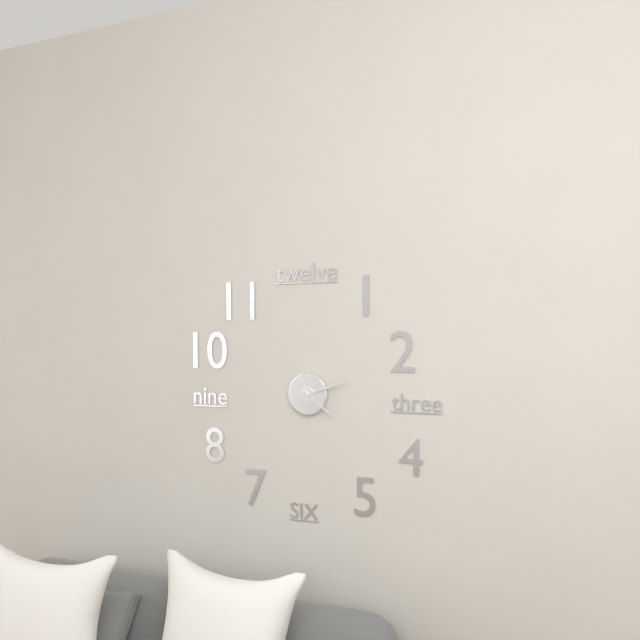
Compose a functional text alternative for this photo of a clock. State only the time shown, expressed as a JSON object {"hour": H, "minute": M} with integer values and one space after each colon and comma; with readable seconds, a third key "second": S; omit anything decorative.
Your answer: {"hour": 4, "minute": 12}
